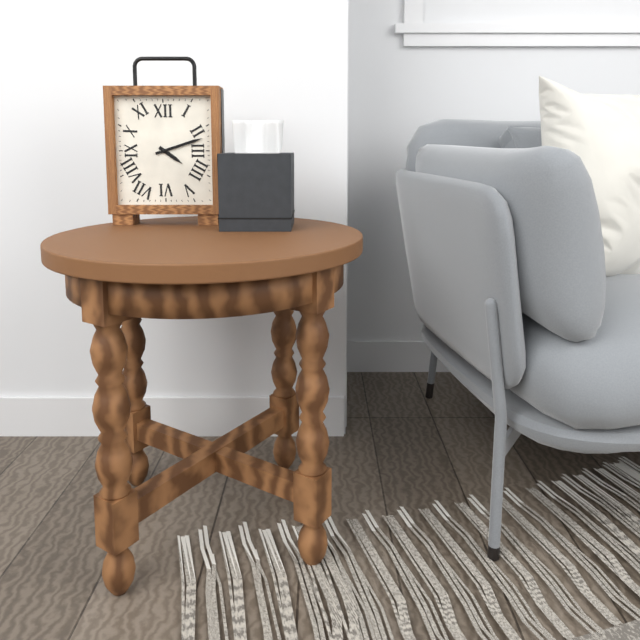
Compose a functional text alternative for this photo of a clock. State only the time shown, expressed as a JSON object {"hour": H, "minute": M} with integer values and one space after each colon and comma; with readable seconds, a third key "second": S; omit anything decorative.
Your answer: {"hour": 4, "minute": 12}
